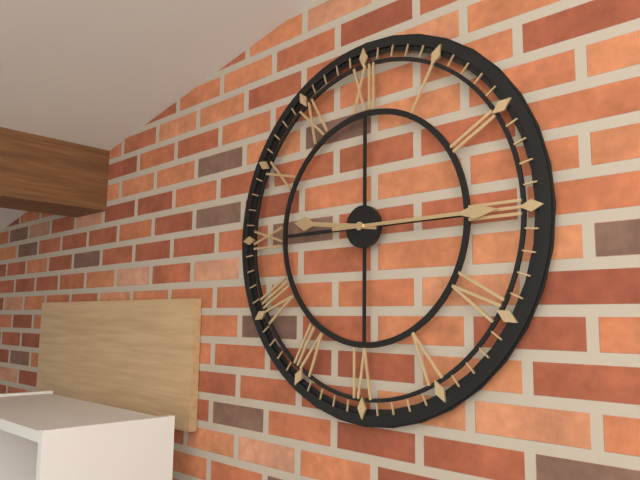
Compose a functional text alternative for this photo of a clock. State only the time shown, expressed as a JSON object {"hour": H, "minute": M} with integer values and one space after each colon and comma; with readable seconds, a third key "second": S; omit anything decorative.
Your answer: {"hour": 9, "minute": 15}
